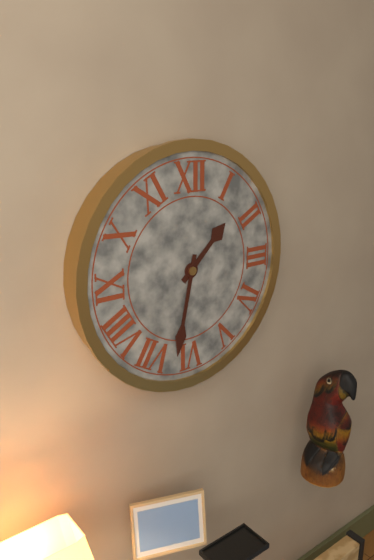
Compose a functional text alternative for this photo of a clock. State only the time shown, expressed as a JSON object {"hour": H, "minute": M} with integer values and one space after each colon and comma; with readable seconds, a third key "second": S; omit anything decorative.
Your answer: {"hour": 1, "minute": 32}
